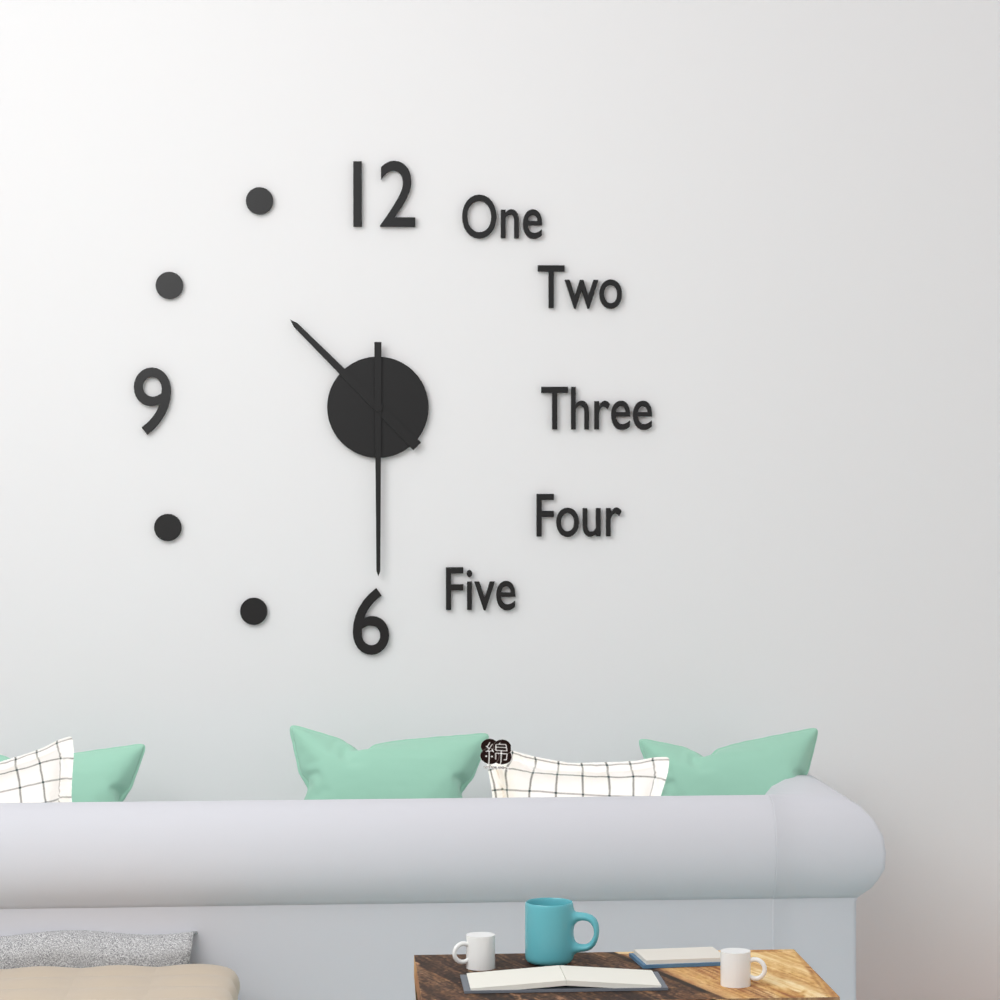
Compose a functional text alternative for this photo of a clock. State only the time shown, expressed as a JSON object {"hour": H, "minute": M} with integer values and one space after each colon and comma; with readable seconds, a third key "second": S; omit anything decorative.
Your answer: {"hour": 10, "minute": 30}
